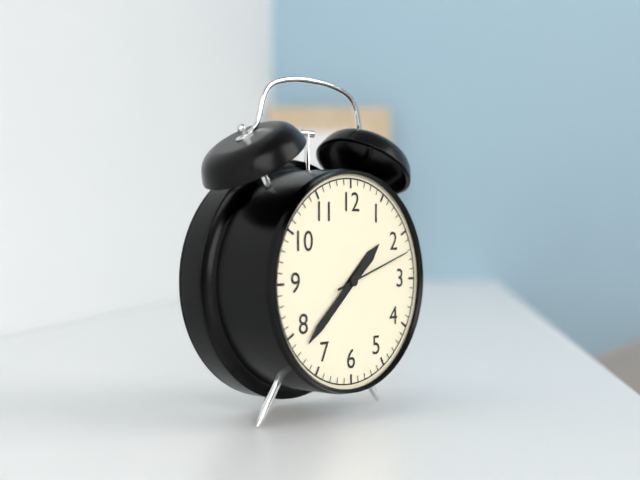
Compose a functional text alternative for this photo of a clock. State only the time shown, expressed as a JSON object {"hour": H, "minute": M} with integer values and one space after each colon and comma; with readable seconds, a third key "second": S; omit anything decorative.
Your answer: {"hour": 1, "minute": 38, "second": 12}
